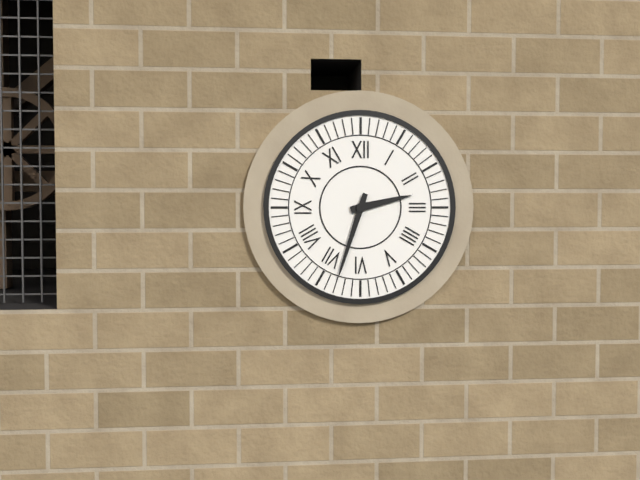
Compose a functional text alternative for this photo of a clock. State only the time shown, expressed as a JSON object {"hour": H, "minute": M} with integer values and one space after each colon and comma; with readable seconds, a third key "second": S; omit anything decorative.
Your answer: {"hour": 2, "minute": 33}
